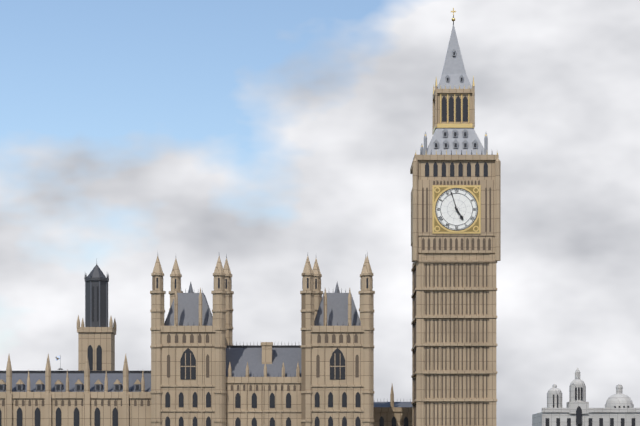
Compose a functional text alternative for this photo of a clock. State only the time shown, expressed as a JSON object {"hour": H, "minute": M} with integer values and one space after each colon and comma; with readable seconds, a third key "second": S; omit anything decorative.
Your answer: {"hour": 4, "minute": 57}
